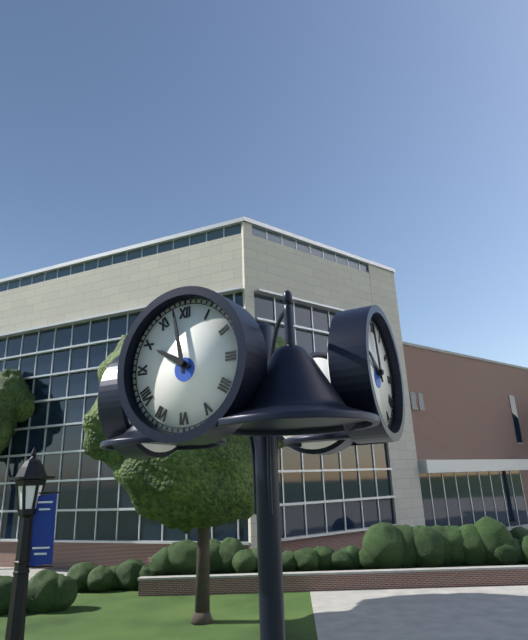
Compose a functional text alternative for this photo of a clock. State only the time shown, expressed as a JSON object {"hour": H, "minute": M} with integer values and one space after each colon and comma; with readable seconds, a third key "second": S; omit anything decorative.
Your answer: {"hour": 9, "minute": 58}
